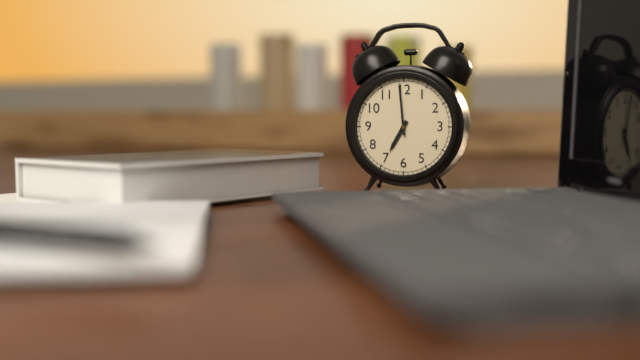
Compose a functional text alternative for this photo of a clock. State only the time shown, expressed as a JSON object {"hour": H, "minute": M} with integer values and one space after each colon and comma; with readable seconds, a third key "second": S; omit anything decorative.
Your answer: {"hour": 6, "minute": 59}
